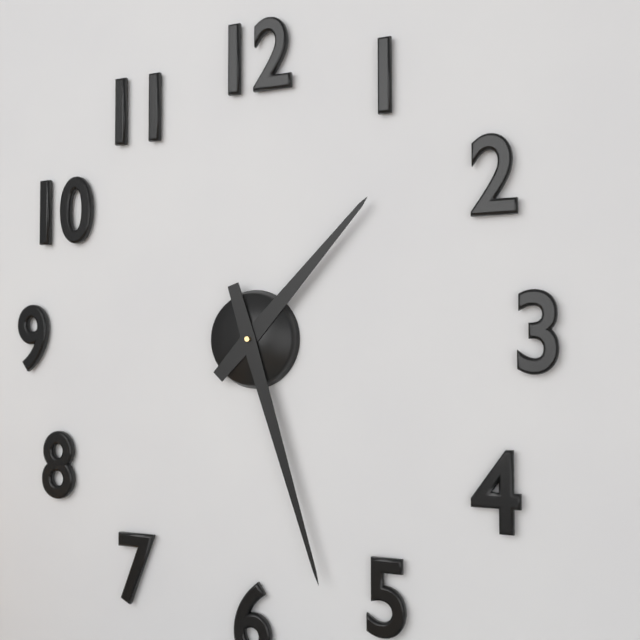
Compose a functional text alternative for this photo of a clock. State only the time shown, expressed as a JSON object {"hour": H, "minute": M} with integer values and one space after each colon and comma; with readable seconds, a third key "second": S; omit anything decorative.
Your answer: {"hour": 1, "minute": 27}
